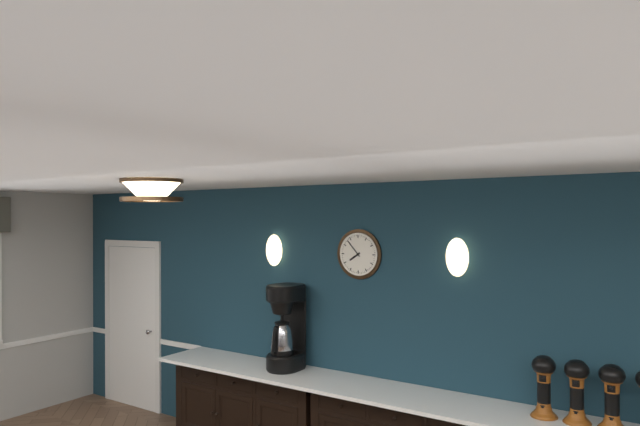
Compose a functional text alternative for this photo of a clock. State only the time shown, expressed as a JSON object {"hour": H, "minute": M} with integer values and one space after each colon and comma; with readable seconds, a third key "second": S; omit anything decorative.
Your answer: {"hour": 7, "minute": 53}
